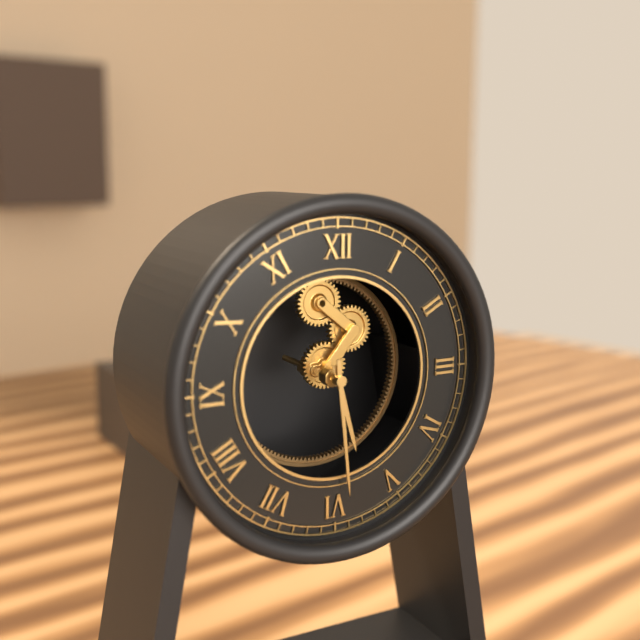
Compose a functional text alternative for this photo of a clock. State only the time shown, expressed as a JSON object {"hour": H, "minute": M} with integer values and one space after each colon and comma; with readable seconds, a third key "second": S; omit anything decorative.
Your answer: {"hour": 5, "minute": 29}
